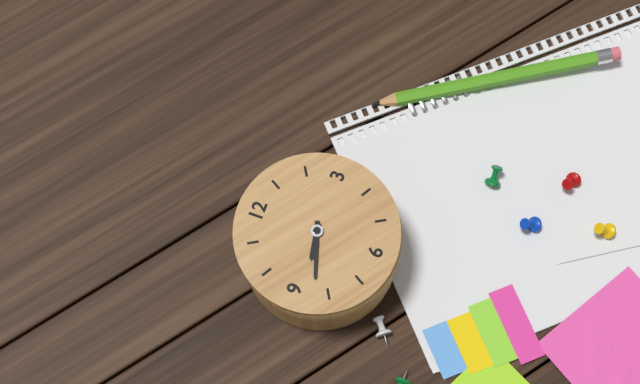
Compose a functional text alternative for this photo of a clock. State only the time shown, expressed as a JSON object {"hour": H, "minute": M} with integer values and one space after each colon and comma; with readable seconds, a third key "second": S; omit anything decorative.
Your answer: {"hour": 8, "minute": 42}
